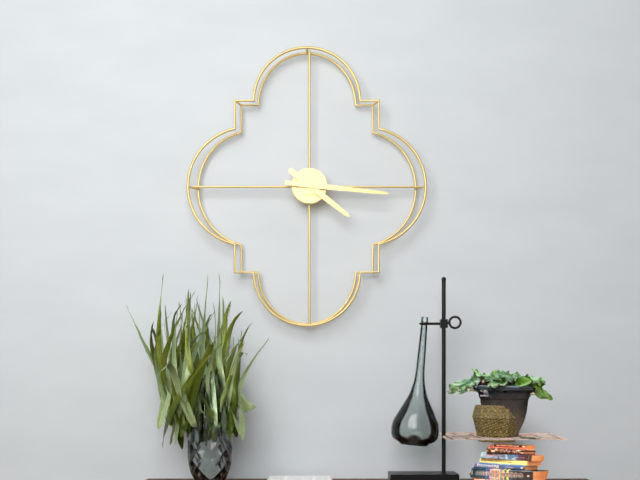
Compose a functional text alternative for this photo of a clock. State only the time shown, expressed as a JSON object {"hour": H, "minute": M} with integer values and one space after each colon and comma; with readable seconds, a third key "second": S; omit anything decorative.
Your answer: {"hour": 4, "minute": 16}
